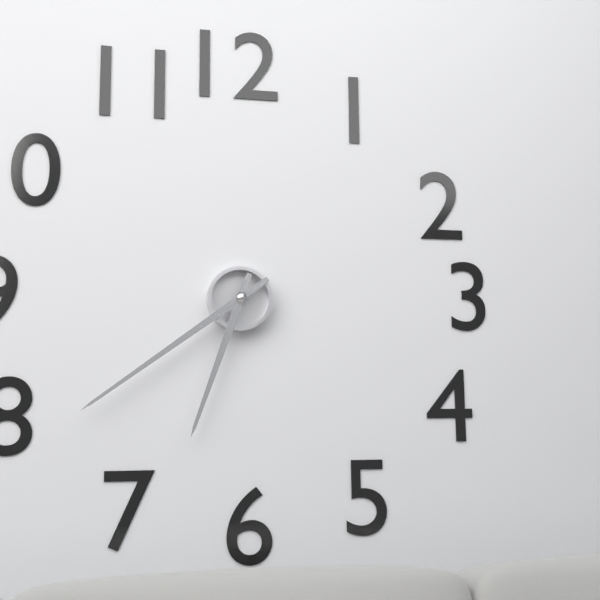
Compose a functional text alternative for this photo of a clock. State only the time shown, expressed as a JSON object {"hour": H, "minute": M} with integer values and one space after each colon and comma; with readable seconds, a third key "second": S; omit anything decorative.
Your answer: {"hour": 6, "minute": 39}
